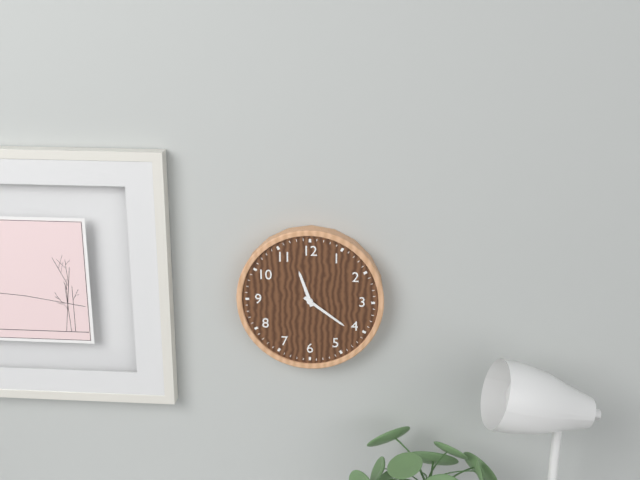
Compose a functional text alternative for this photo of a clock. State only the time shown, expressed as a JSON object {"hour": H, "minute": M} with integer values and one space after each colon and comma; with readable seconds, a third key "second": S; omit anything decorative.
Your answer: {"hour": 11, "minute": 21}
